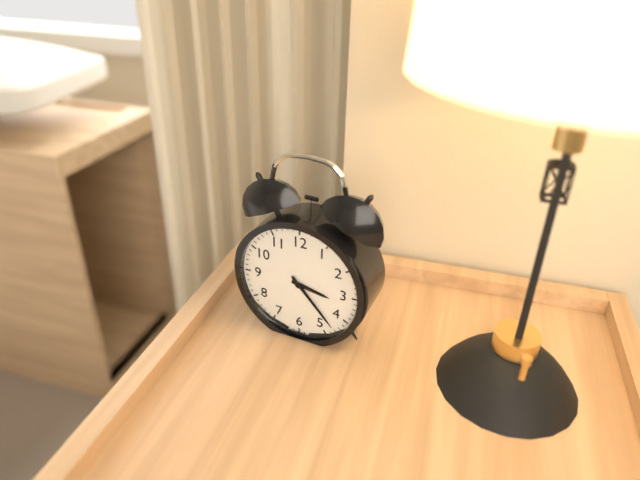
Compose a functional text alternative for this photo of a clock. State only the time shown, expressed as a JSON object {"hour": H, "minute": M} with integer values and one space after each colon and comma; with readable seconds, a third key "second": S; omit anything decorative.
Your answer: {"hour": 3, "minute": 23}
